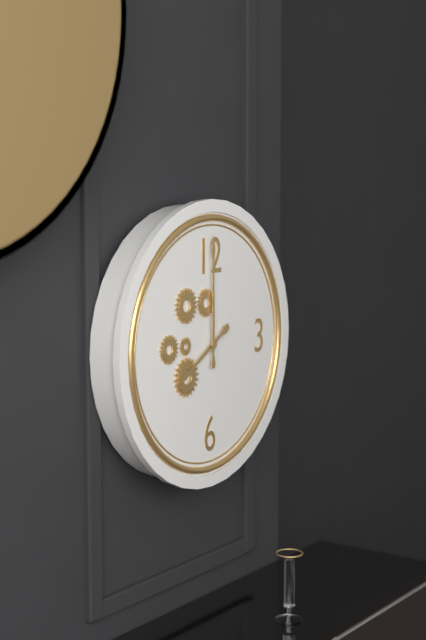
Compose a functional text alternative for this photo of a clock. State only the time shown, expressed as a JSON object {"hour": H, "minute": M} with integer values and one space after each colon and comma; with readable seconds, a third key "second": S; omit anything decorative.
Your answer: {"hour": 8, "minute": 0}
